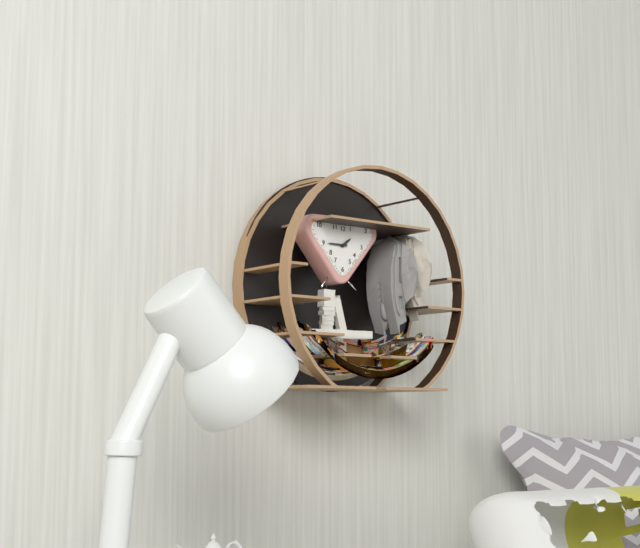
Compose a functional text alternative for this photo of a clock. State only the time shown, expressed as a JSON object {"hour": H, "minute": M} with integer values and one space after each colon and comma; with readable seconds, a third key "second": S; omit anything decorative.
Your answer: {"hour": 1, "minute": 45}
